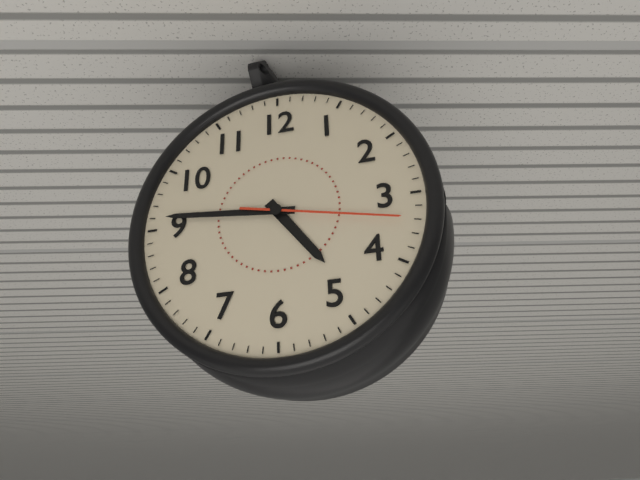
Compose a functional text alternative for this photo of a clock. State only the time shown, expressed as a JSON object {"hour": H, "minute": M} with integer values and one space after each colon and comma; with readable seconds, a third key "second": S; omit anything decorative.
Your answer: {"hour": 4, "minute": 46, "second": 17}
